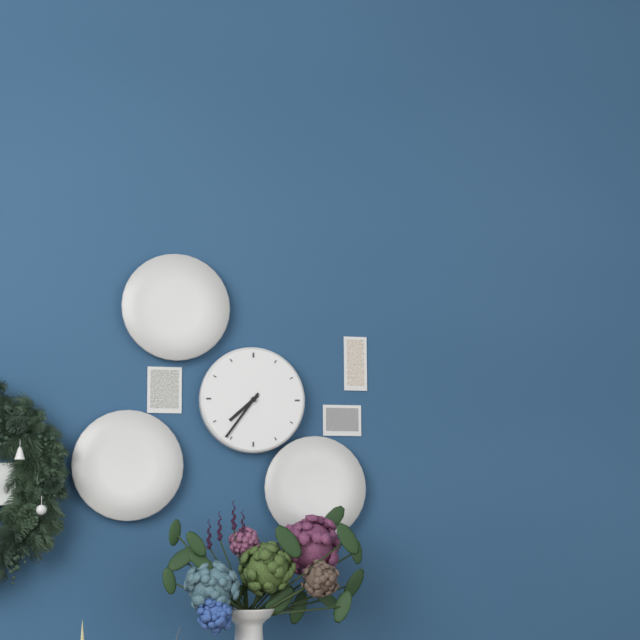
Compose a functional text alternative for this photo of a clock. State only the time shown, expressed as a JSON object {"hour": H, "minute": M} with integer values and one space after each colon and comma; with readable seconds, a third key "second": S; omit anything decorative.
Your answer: {"hour": 7, "minute": 36}
